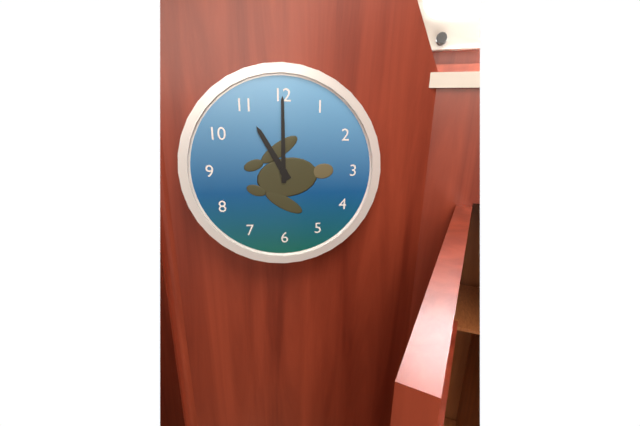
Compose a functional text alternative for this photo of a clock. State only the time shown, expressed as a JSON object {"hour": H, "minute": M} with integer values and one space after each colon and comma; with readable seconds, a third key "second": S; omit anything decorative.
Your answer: {"hour": 11, "minute": 0}
